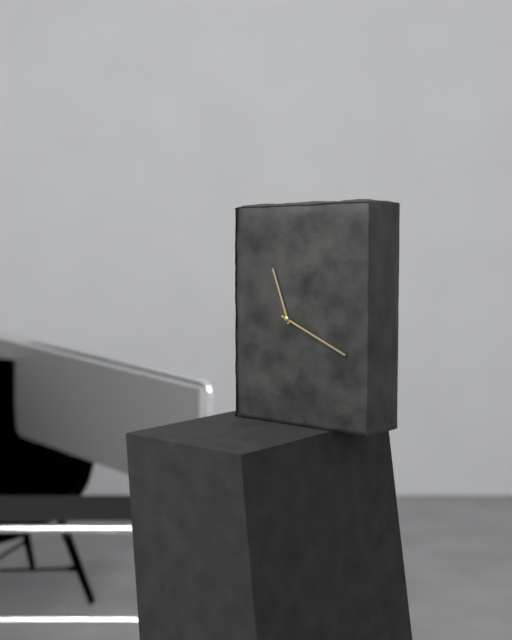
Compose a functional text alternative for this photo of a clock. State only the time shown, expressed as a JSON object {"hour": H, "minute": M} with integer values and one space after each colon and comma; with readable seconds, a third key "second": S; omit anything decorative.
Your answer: {"hour": 11, "minute": 19}
